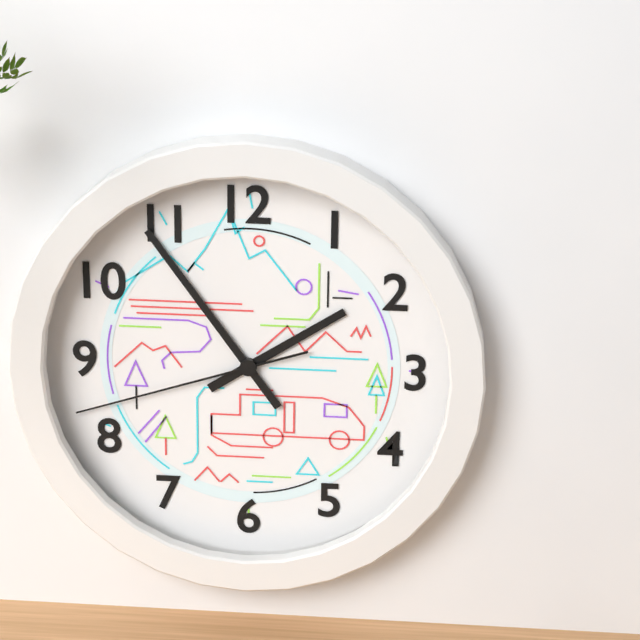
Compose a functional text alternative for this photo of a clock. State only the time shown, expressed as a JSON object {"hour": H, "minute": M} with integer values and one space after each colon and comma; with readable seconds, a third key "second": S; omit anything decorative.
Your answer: {"hour": 1, "minute": 54, "second": 42}
